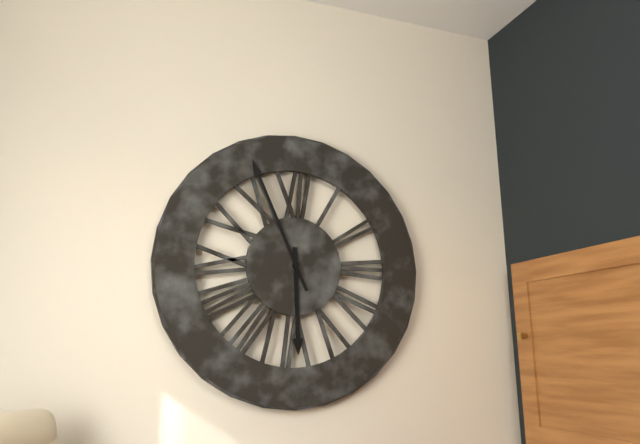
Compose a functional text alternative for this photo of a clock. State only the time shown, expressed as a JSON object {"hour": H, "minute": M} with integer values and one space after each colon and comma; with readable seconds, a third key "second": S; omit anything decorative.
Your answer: {"hour": 5, "minute": 56}
